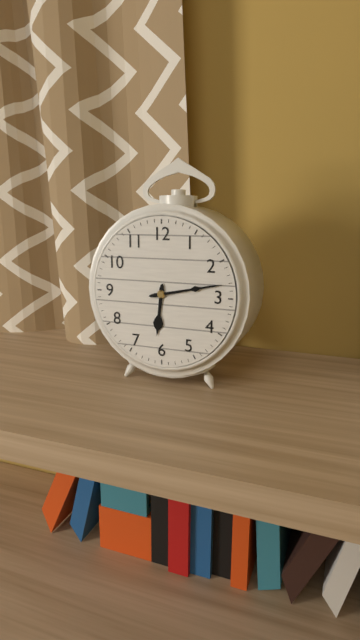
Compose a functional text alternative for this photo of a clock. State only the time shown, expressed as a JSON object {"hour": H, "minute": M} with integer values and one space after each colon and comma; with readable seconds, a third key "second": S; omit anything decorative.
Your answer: {"hour": 6, "minute": 13}
